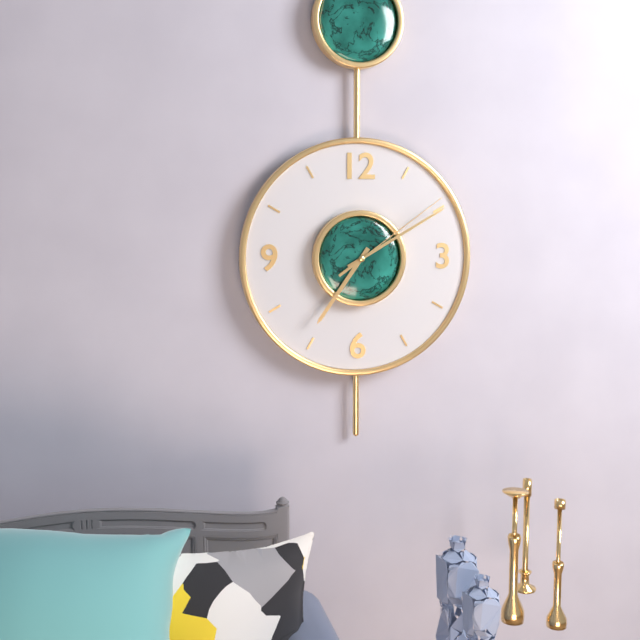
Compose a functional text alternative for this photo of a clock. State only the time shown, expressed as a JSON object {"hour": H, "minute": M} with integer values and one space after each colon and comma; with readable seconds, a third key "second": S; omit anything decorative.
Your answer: {"hour": 7, "minute": 10, "second": 9}
